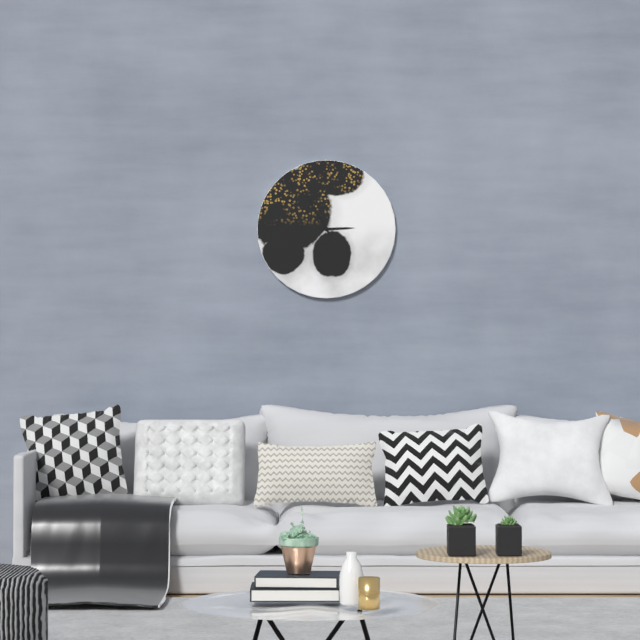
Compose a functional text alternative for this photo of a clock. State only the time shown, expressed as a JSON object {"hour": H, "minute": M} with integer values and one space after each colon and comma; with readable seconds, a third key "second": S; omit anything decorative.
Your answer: {"hour": 2, "minute": 55}
